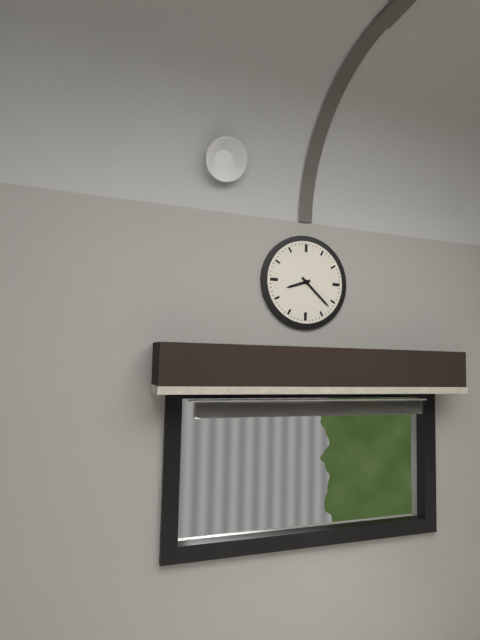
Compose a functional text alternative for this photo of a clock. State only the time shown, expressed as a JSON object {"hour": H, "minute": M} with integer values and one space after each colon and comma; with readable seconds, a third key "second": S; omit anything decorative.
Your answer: {"hour": 8, "minute": 22}
